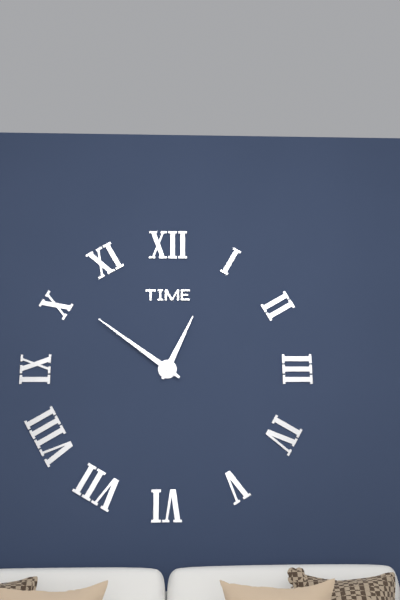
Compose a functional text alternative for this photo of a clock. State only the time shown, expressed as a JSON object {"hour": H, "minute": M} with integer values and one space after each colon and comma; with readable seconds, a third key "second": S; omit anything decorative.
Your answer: {"hour": 12, "minute": 51}
